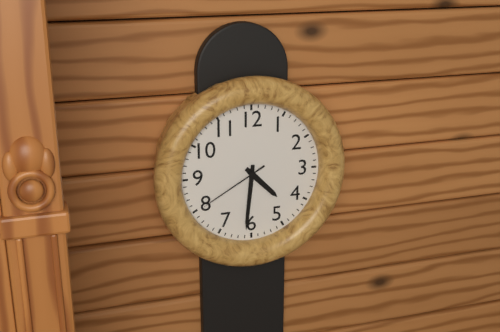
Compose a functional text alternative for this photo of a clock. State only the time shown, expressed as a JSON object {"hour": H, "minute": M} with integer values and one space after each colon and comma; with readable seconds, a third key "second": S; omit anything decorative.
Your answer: {"hour": 4, "minute": 31, "second": 40}
